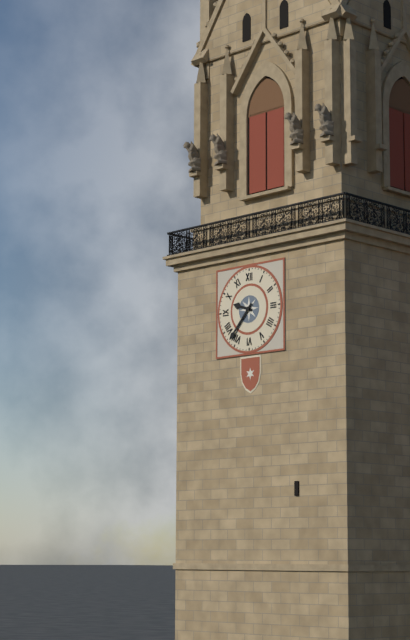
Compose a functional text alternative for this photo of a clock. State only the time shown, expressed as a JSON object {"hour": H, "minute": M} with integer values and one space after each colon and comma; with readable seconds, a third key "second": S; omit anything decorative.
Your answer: {"hour": 9, "minute": 37}
